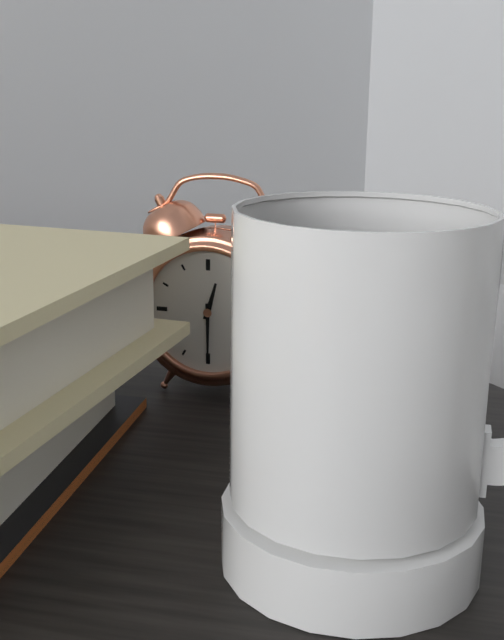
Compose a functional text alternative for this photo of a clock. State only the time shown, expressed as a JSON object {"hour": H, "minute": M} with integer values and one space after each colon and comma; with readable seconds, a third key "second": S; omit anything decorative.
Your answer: {"hour": 12, "minute": 30}
